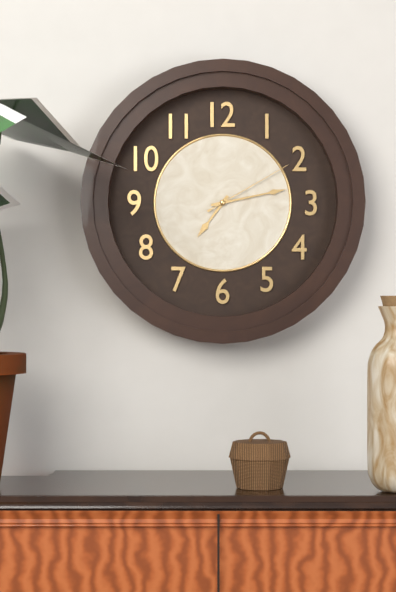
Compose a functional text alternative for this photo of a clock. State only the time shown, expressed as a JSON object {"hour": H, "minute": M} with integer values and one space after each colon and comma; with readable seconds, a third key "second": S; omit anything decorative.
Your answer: {"hour": 7, "minute": 13, "second": 10}
